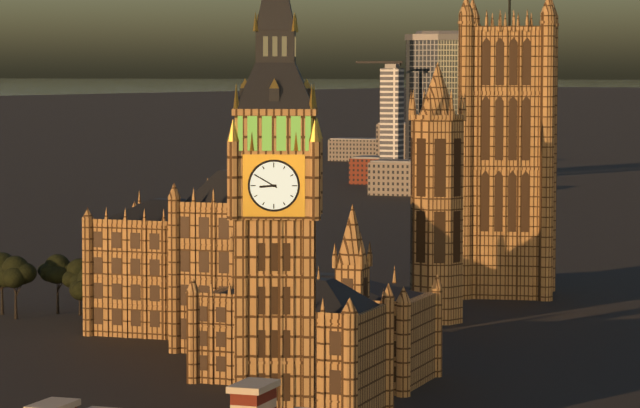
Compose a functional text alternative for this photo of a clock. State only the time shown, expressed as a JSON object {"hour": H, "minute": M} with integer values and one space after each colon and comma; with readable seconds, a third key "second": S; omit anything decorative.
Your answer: {"hour": 8, "minute": 50}
